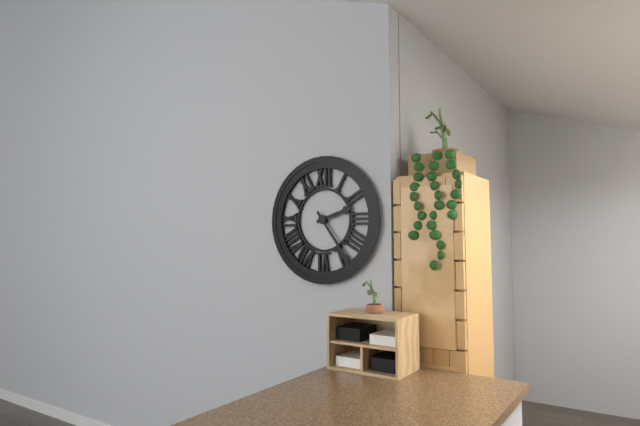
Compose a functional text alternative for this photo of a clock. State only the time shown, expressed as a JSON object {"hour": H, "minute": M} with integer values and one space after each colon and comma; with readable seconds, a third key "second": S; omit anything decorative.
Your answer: {"hour": 2, "minute": 24}
